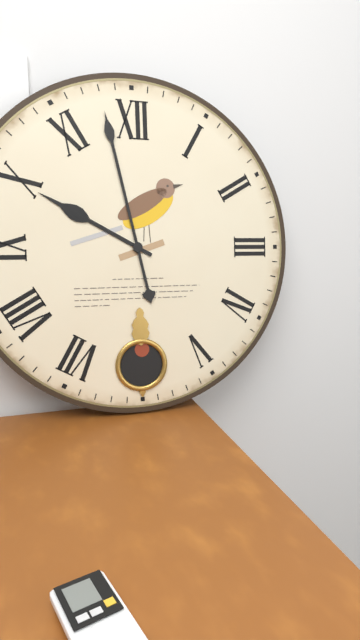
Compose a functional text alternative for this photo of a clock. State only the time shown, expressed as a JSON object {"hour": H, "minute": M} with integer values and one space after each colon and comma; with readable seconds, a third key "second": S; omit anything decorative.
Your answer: {"hour": 9, "minute": 58}
